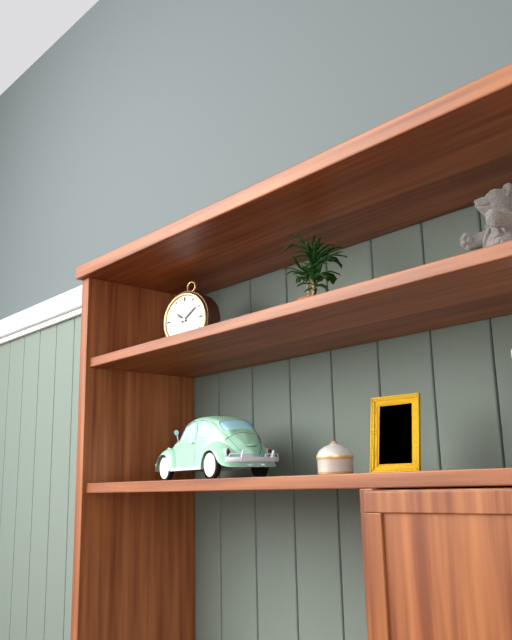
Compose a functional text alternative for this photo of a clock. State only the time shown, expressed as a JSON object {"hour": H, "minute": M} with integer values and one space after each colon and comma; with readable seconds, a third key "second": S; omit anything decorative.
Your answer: {"hour": 10, "minute": 9}
